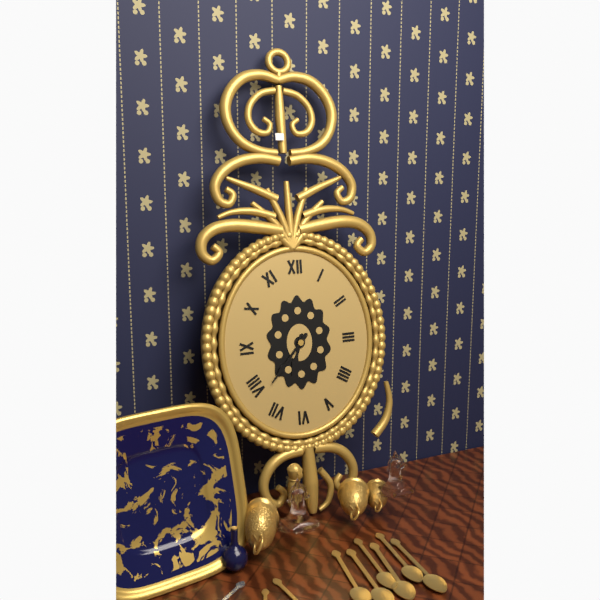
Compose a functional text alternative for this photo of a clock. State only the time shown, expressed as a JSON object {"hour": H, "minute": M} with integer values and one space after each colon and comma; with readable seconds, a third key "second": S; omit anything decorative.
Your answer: {"hour": 6, "minute": 37}
